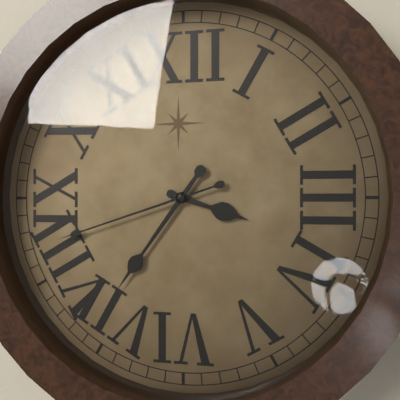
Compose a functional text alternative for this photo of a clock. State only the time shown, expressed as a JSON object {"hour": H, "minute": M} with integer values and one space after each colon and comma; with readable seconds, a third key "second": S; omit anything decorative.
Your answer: {"hour": 3, "minute": 36, "second": 42}
